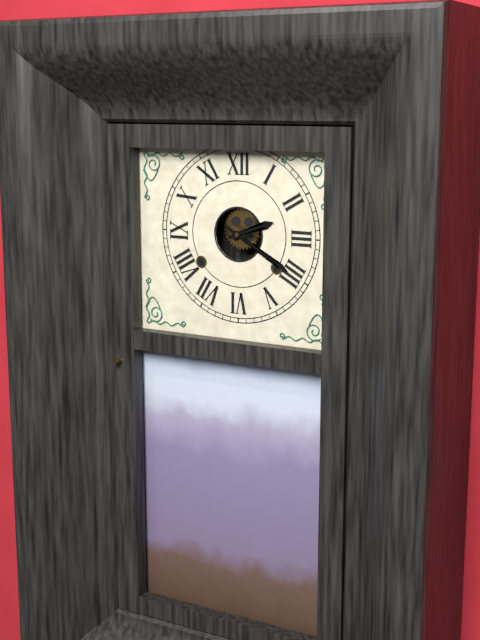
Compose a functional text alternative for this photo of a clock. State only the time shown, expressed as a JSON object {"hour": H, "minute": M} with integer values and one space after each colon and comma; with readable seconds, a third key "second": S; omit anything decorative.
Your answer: {"hour": 2, "minute": 20}
